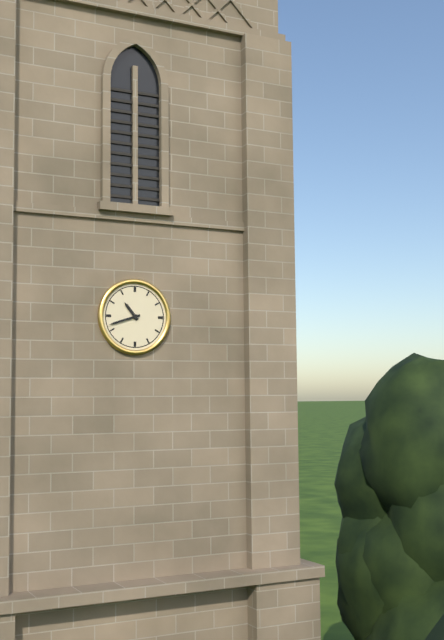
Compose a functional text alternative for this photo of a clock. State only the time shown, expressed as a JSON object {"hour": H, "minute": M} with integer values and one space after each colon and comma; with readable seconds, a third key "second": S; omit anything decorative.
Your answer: {"hour": 10, "minute": 42}
